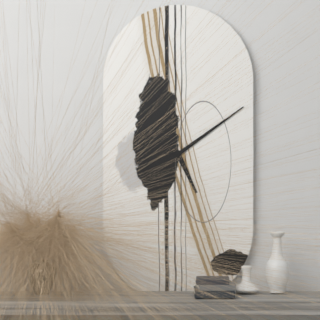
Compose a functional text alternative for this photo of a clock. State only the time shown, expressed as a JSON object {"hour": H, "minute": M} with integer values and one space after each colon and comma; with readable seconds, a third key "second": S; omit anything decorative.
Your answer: {"hour": 5, "minute": 9}
